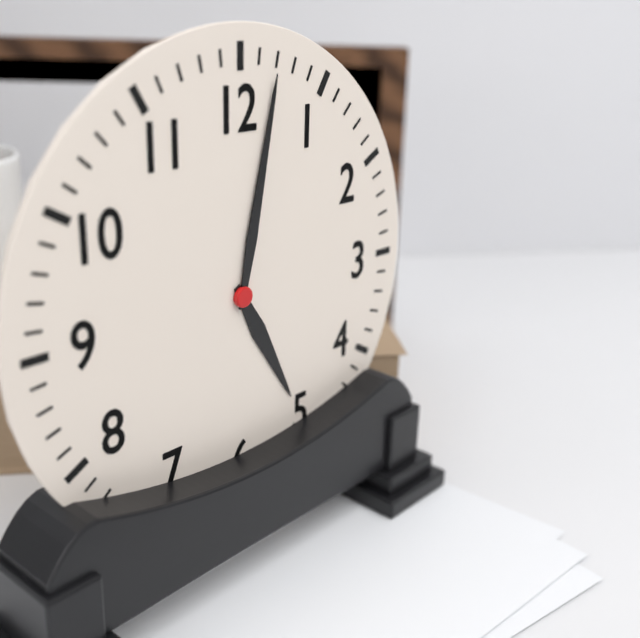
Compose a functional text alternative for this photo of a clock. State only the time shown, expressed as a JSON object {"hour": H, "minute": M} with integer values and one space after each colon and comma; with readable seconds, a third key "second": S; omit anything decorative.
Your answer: {"hour": 5, "minute": 2}
